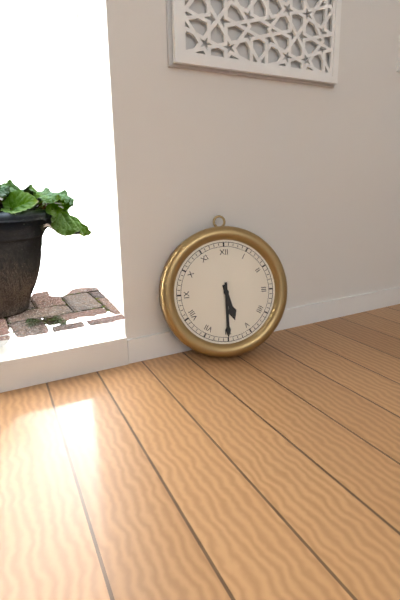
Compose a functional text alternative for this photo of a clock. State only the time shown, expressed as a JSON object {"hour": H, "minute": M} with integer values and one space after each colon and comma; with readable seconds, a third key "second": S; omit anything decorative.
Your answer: {"hour": 5, "minute": 30}
